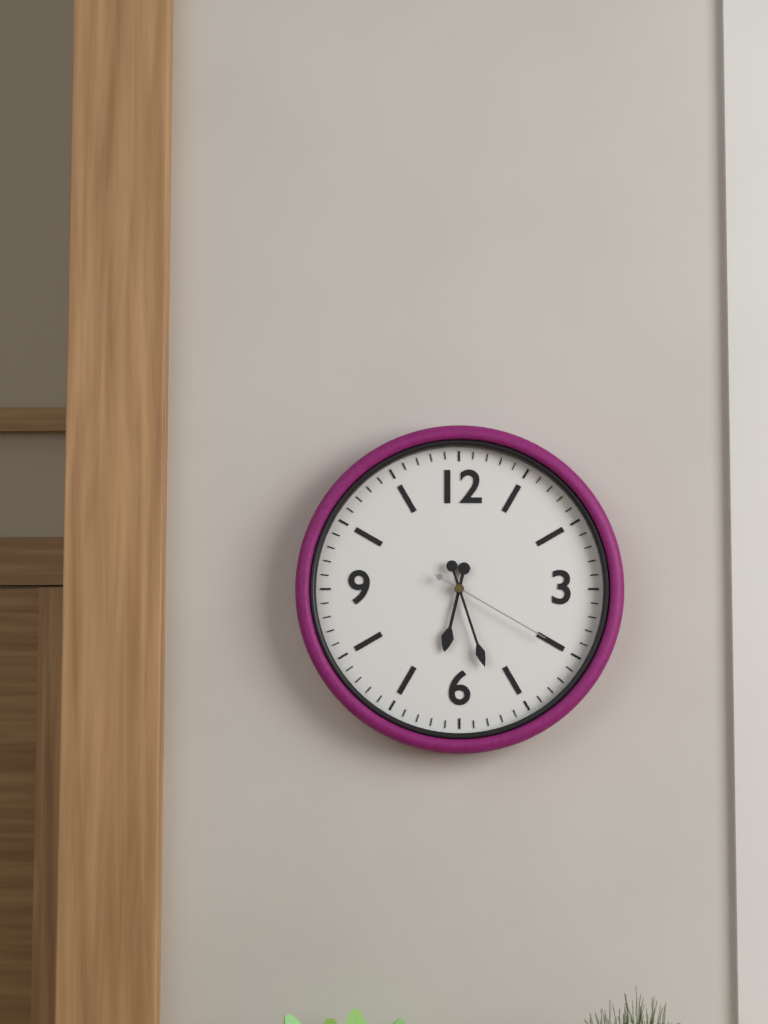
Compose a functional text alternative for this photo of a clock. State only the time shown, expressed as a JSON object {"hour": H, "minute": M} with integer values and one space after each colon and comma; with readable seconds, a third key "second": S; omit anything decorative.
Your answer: {"hour": 6, "minute": 27, "second": 20}
